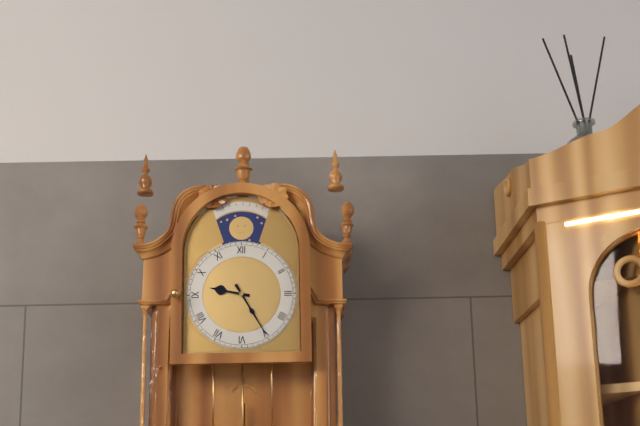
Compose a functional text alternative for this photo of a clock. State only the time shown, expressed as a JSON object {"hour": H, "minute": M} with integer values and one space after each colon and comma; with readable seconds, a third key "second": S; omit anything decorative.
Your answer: {"hour": 9, "minute": 25}
